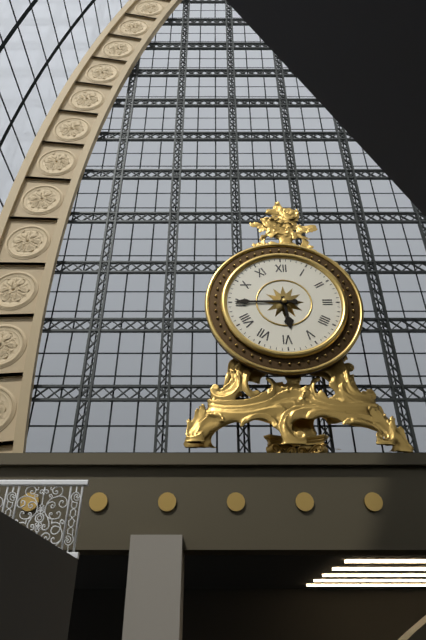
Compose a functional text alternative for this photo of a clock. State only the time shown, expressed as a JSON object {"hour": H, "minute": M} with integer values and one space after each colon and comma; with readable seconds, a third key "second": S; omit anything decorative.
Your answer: {"hour": 5, "minute": 45}
